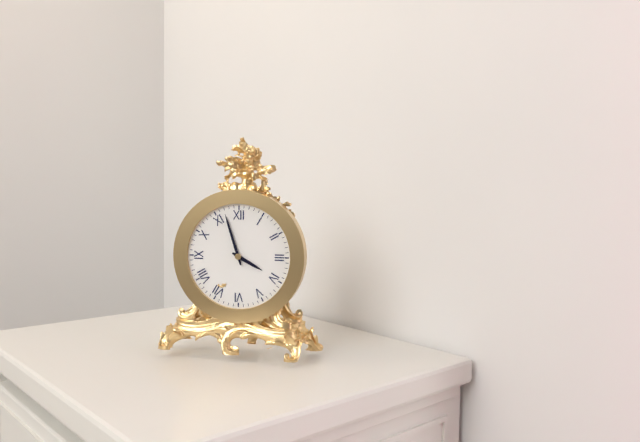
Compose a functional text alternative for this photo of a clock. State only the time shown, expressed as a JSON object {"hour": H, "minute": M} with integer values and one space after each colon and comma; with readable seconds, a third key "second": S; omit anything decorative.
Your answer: {"hour": 3, "minute": 57}
